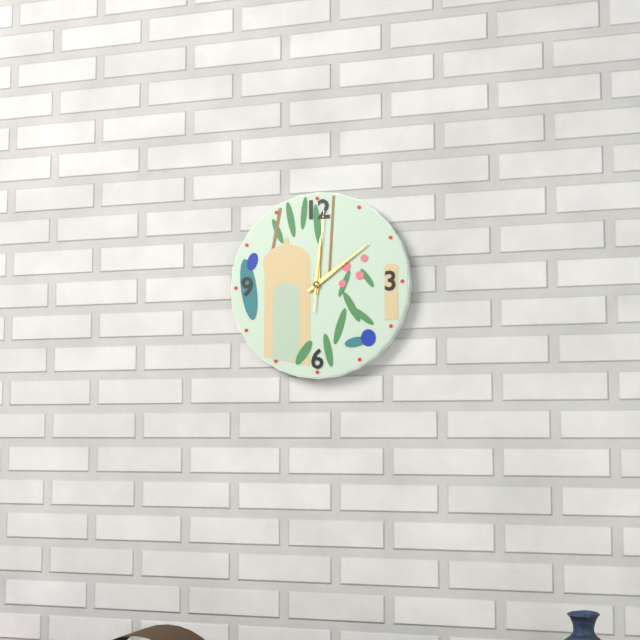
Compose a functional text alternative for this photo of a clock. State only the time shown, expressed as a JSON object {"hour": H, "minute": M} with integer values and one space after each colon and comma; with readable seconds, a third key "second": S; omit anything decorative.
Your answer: {"hour": 12, "minute": 9, "second": 1}
